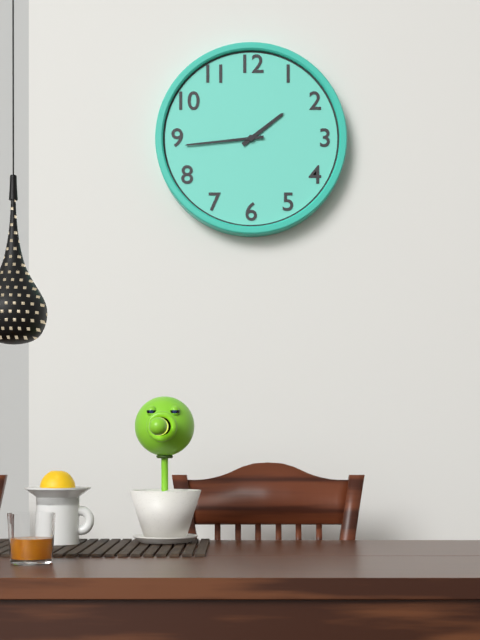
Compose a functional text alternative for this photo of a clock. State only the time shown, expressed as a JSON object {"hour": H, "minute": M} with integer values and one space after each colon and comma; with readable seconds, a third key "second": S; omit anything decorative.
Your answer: {"hour": 1, "minute": 44}
